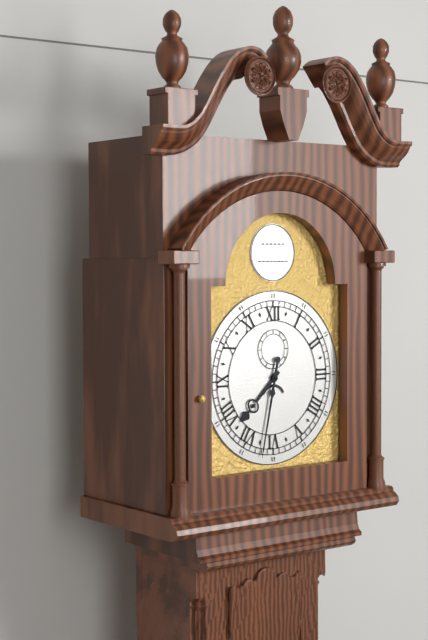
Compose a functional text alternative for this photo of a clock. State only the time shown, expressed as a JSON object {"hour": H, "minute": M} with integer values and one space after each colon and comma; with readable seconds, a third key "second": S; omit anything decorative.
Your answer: {"hour": 7, "minute": 32}
